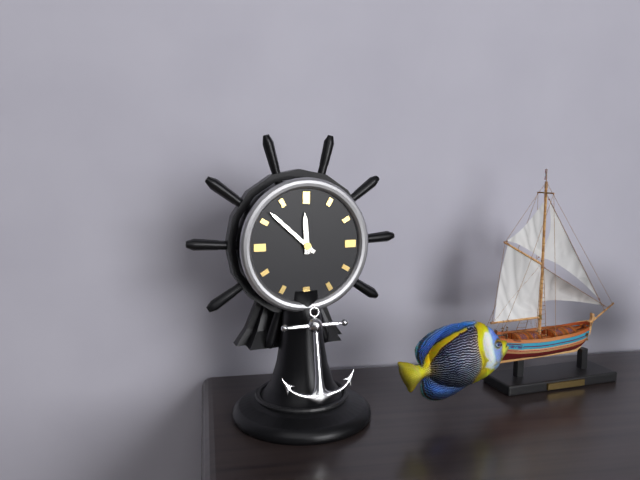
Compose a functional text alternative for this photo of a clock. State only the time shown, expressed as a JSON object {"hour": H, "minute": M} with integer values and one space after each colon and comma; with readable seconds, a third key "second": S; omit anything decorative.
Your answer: {"hour": 11, "minute": 52}
